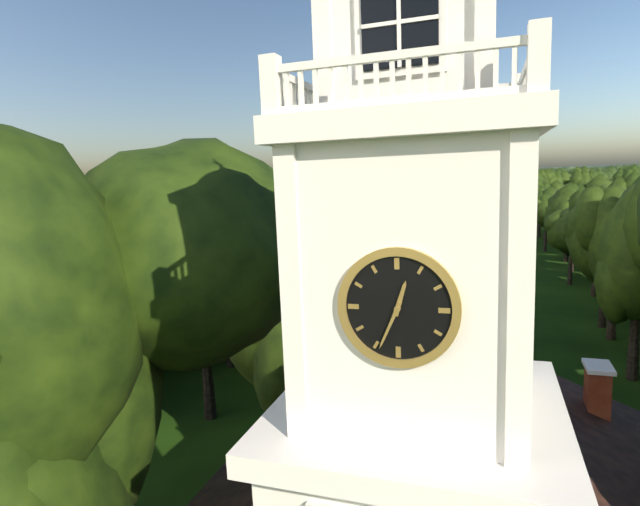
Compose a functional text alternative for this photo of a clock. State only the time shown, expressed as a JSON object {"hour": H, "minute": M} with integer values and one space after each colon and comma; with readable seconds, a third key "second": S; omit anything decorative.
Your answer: {"hour": 12, "minute": 34}
